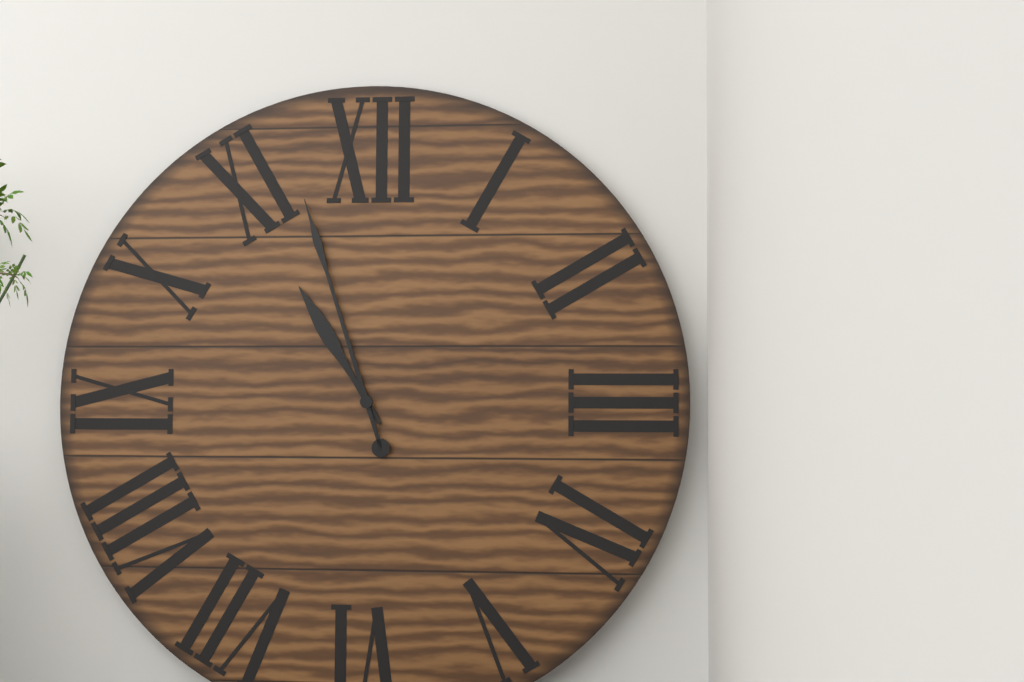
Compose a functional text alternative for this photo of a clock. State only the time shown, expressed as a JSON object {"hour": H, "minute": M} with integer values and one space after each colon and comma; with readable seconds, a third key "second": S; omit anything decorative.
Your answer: {"hour": 10, "minute": 57}
